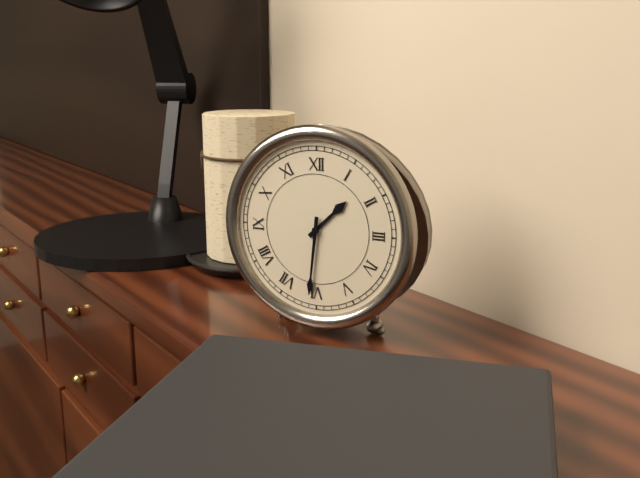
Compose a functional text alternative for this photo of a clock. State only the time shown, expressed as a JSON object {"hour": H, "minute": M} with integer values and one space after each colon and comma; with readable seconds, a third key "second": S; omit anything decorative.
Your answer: {"hour": 1, "minute": 31}
